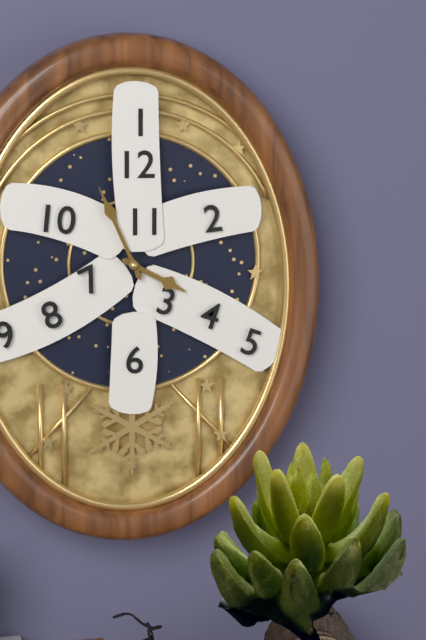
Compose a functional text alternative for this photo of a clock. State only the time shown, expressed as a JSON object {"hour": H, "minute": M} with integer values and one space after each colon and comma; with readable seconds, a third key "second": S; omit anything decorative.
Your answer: {"hour": 3, "minute": 56}
